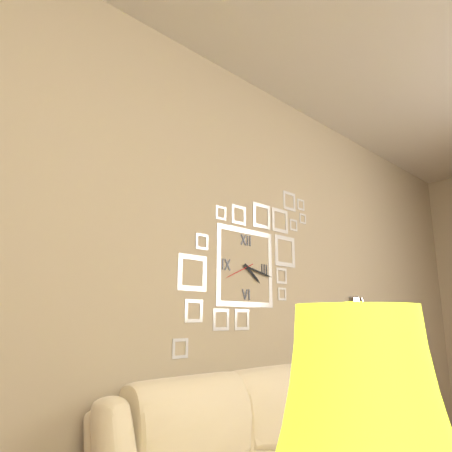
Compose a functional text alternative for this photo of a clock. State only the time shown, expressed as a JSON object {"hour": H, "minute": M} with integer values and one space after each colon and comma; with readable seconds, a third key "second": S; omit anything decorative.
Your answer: {"hour": 4, "minute": 17}
